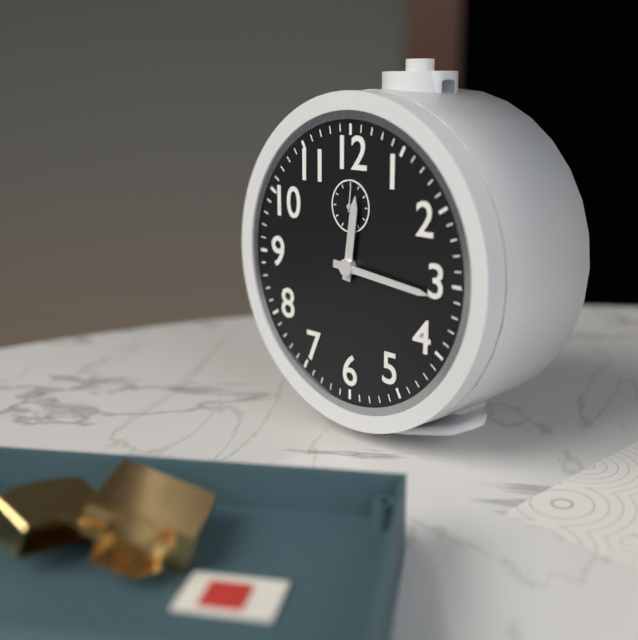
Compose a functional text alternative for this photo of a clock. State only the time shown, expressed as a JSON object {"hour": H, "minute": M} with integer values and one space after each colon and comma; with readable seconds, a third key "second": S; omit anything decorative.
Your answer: {"hour": 12, "minute": 16}
